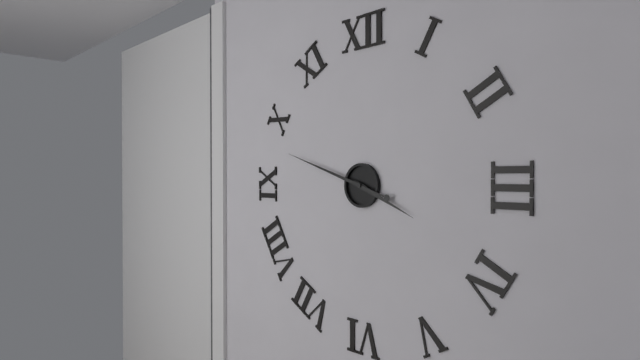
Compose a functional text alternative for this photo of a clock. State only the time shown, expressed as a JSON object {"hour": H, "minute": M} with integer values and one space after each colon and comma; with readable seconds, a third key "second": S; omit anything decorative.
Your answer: {"hour": 3, "minute": 48}
